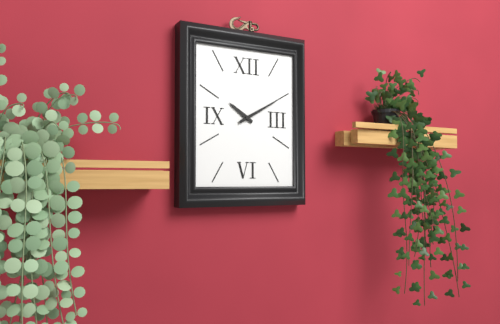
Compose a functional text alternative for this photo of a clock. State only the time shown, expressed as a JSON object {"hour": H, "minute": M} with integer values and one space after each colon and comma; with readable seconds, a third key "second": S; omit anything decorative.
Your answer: {"hour": 10, "minute": 10}
